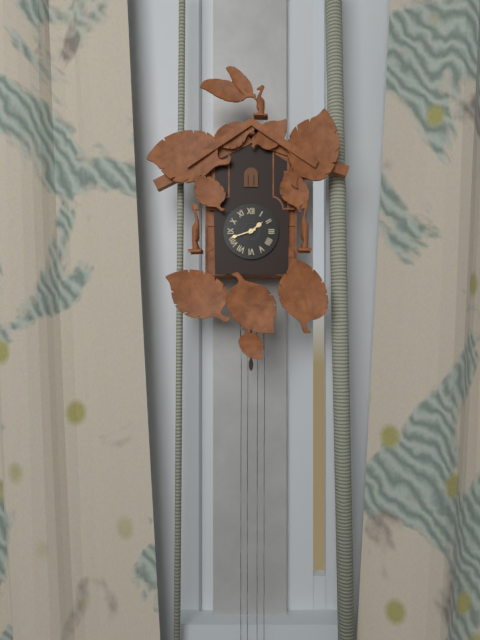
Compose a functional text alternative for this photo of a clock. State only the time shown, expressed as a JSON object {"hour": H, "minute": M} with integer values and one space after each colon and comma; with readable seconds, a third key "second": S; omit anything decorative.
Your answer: {"hour": 1, "minute": 42}
